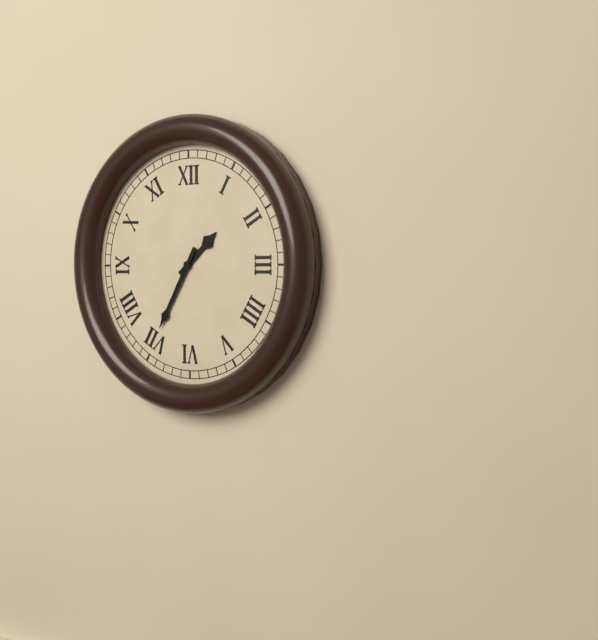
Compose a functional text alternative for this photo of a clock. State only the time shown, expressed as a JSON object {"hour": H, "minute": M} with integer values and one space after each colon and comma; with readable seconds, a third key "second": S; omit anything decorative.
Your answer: {"hour": 1, "minute": 35}
